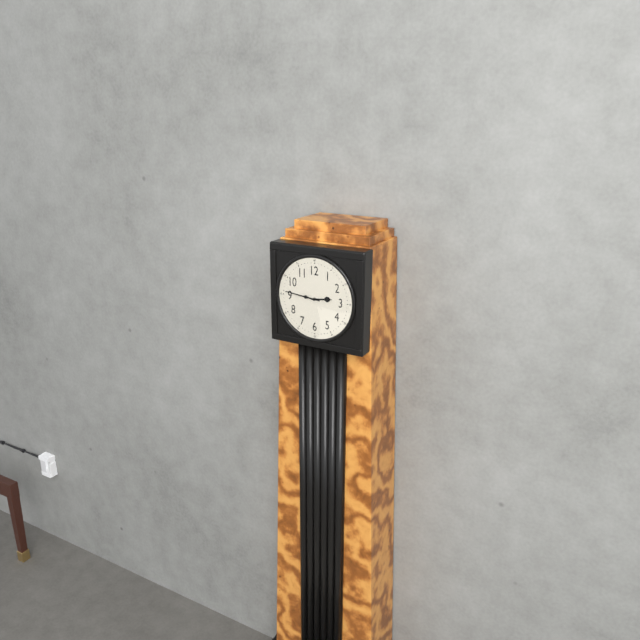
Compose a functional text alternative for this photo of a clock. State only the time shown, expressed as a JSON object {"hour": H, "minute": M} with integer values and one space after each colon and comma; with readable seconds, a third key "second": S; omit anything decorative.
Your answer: {"hour": 2, "minute": 46}
